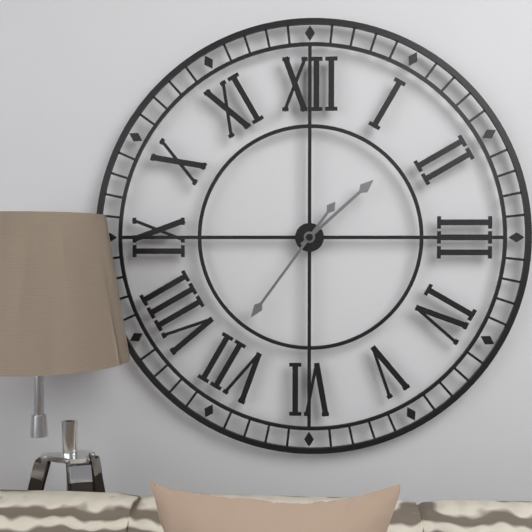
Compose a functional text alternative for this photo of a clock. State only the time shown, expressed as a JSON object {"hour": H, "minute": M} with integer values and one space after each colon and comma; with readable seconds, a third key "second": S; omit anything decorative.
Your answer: {"hour": 1, "minute": 36}
